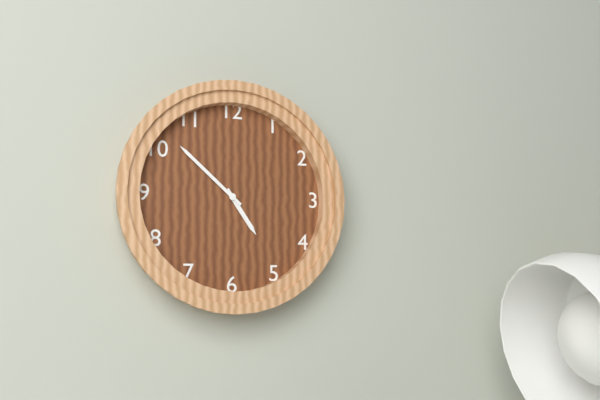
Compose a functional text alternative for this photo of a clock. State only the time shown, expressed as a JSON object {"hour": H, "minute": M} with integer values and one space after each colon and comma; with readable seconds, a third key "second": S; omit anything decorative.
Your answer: {"hour": 4, "minute": 52}
